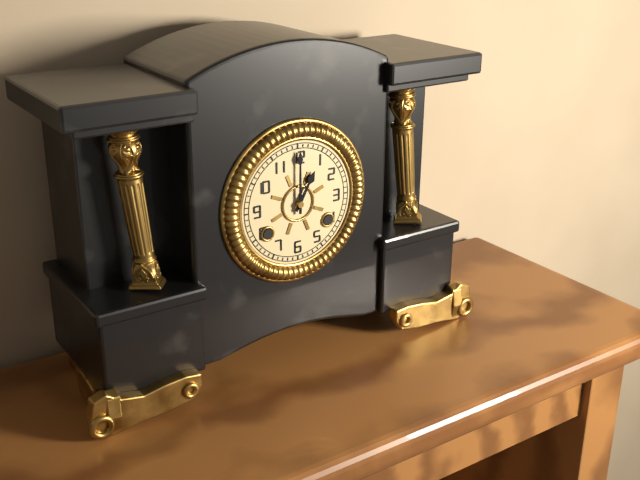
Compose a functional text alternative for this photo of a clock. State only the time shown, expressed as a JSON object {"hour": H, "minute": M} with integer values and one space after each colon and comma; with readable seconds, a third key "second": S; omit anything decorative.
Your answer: {"hour": 1, "minute": 0}
